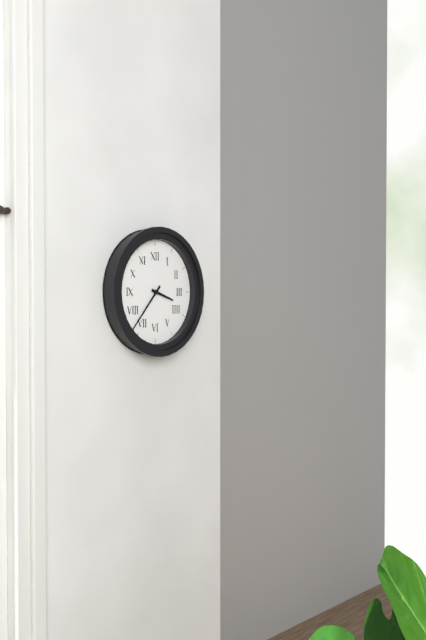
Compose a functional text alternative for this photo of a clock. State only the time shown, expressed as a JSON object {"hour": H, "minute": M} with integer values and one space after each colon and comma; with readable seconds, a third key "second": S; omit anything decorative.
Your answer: {"hour": 3, "minute": 37}
